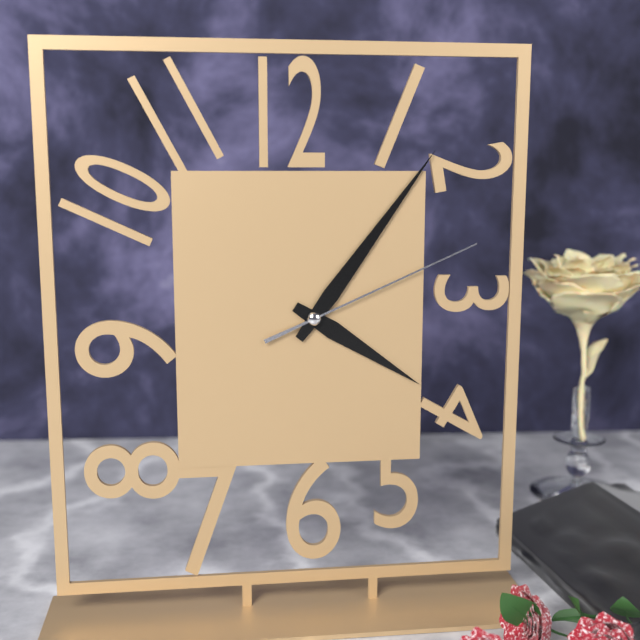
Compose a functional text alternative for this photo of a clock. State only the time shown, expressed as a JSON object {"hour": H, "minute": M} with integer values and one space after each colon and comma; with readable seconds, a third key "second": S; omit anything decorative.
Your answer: {"hour": 4, "minute": 6, "second": 11}
